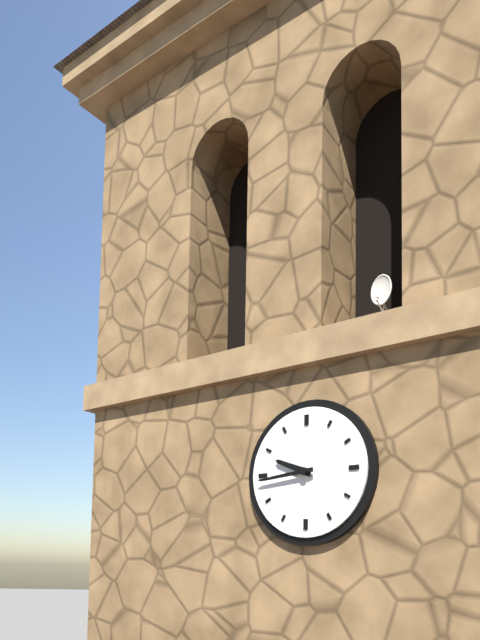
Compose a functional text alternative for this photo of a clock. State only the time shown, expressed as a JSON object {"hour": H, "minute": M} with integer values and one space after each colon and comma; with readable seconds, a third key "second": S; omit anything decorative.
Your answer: {"hour": 9, "minute": 44}
